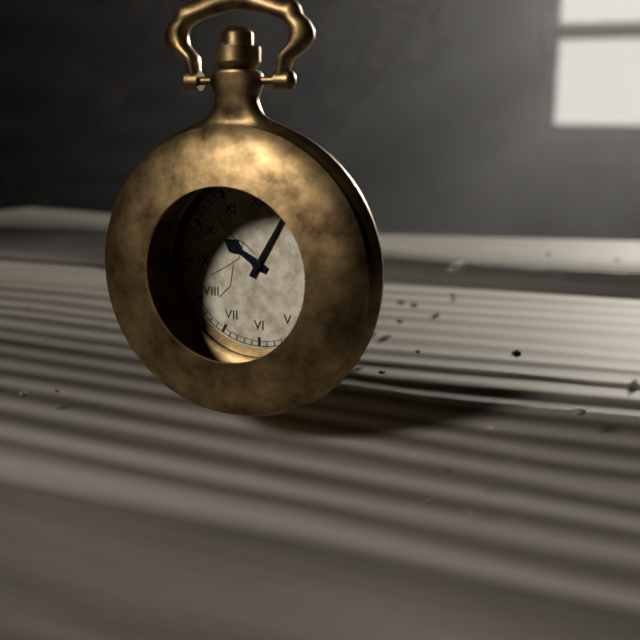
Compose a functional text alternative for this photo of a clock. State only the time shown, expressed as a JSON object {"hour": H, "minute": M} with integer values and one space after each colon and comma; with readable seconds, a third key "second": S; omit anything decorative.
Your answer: {"hour": 10, "minute": 5}
